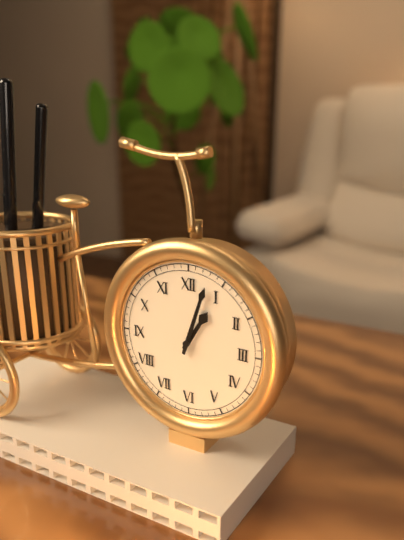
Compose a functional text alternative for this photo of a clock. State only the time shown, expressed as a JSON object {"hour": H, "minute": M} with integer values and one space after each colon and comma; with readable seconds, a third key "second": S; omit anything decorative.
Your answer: {"hour": 1, "minute": 3}
